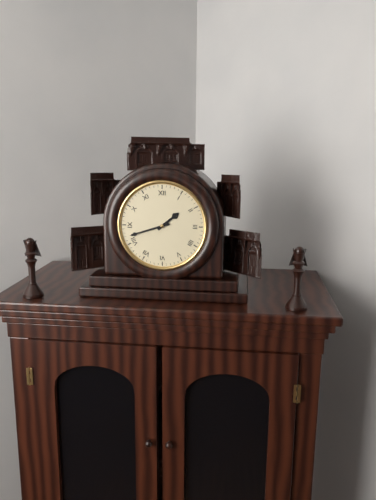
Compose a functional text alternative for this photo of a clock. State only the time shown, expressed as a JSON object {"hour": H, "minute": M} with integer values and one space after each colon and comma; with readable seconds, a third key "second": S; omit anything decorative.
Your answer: {"hour": 1, "minute": 42}
